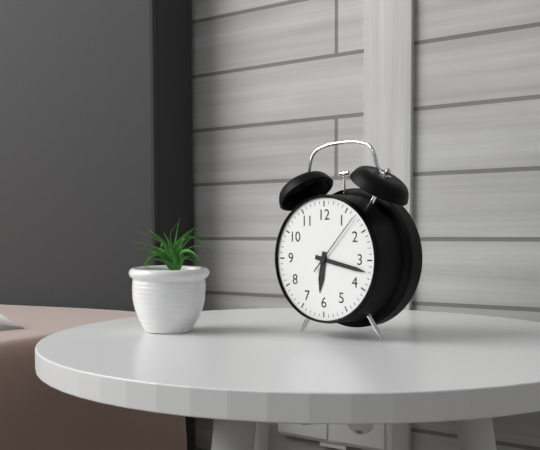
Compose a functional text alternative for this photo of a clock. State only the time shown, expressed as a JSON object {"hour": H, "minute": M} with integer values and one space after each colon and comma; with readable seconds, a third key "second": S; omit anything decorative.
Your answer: {"hour": 6, "minute": 17, "second": 7}
